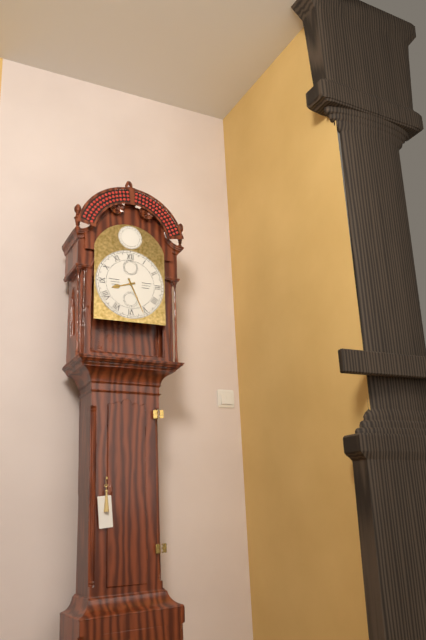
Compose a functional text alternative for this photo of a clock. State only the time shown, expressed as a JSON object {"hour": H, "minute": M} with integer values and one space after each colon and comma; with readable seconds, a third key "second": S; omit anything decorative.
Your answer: {"hour": 8, "minute": 26}
